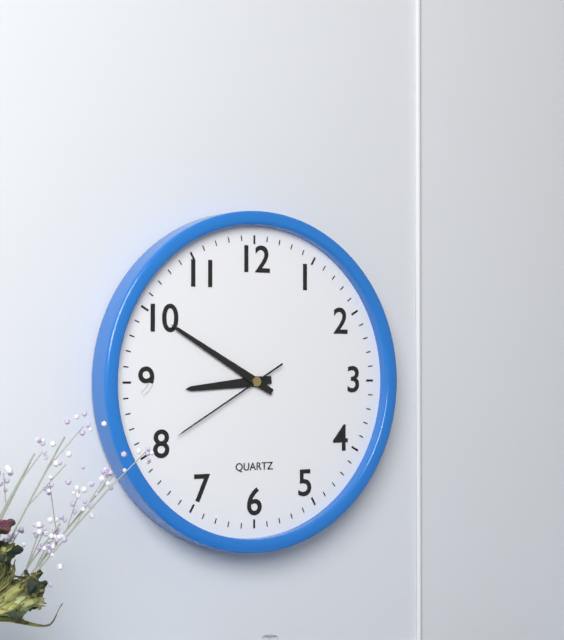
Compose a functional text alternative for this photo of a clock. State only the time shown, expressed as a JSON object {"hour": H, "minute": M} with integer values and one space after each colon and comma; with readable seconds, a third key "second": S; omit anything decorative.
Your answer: {"hour": 8, "minute": 50, "second": 40}
